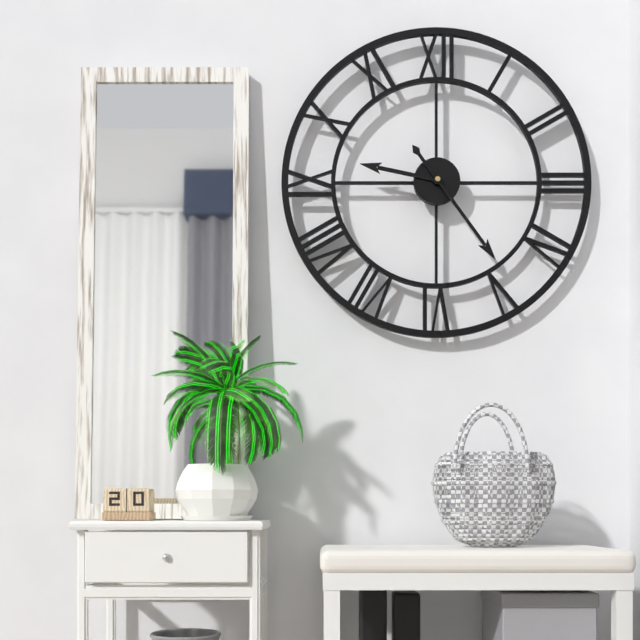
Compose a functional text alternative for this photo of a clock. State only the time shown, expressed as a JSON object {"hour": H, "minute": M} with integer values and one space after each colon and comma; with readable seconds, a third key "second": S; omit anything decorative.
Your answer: {"hour": 9, "minute": 24}
